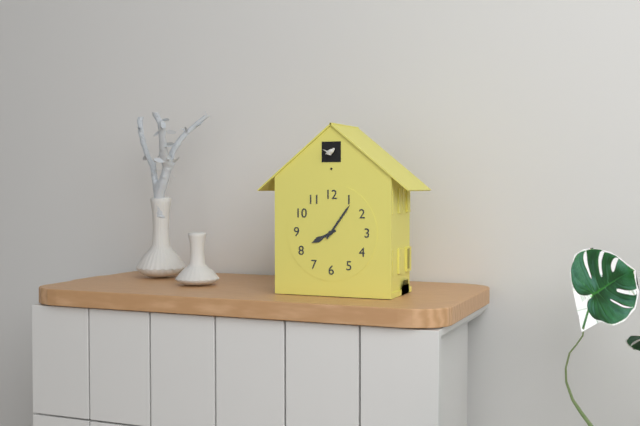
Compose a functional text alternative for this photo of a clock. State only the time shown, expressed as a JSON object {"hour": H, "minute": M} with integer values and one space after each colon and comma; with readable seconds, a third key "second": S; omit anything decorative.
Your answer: {"hour": 8, "minute": 6}
